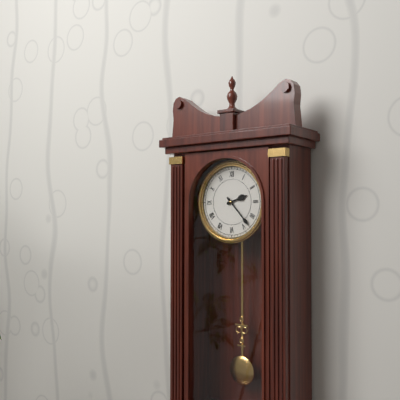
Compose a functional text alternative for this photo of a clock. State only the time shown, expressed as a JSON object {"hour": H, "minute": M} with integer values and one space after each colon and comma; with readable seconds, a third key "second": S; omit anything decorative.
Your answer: {"hour": 2, "minute": 23}
